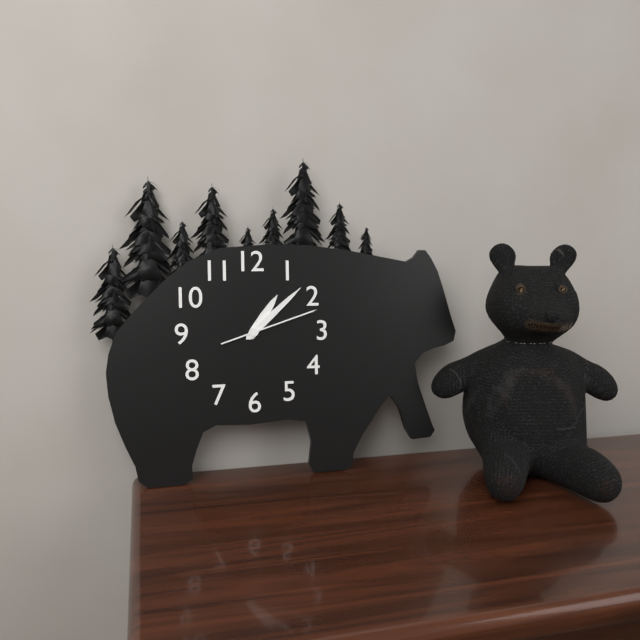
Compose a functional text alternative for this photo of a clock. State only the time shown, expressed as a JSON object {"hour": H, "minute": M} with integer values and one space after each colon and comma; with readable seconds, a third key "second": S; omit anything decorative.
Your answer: {"hour": 1, "minute": 8, "second": 12}
